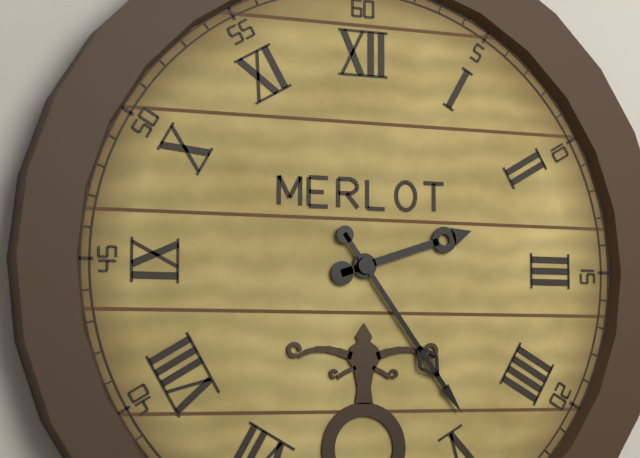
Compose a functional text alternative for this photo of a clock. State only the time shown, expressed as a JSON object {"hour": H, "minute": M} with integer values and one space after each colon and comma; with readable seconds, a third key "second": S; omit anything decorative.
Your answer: {"hour": 2, "minute": 24}
